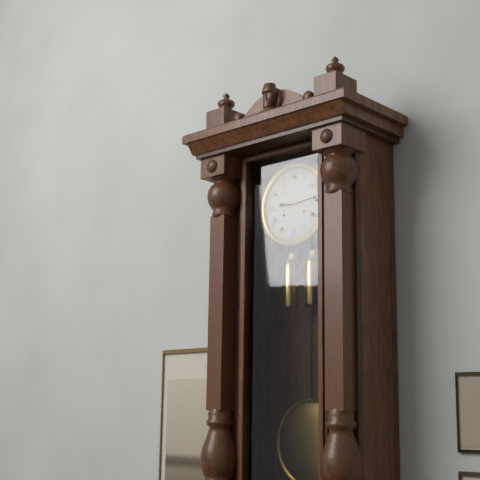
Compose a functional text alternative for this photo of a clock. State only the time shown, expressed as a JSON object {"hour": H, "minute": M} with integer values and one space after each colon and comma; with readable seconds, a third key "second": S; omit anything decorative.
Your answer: {"hour": 9, "minute": 14}
